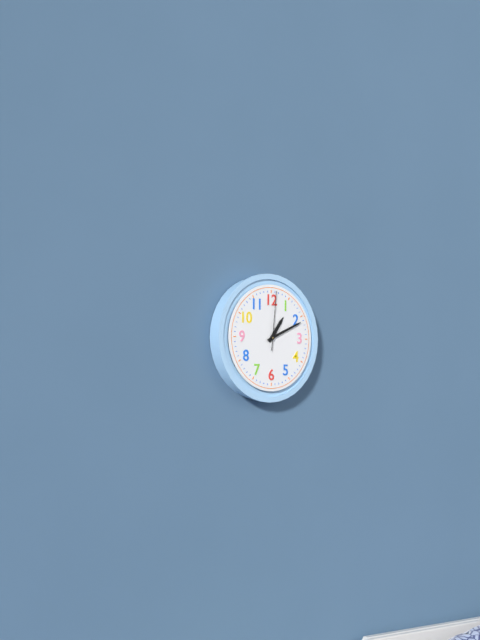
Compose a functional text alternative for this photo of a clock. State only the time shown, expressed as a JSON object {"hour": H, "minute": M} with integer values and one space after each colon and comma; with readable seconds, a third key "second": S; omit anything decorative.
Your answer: {"hour": 1, "minute": 11, "second": 1}
